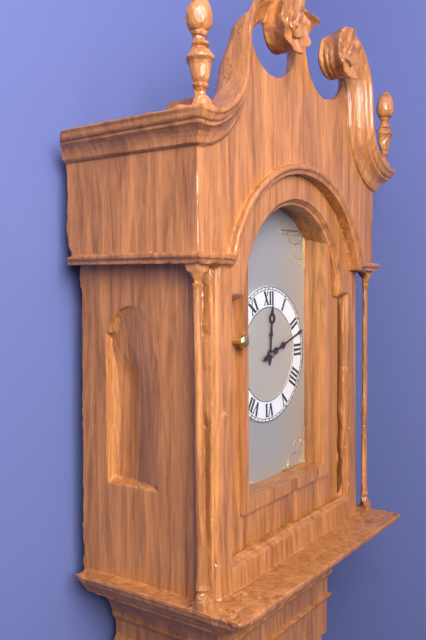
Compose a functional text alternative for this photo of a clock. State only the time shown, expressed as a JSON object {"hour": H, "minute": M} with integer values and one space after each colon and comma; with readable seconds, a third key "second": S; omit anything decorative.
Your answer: {"hour": 12, "minute": 12}
